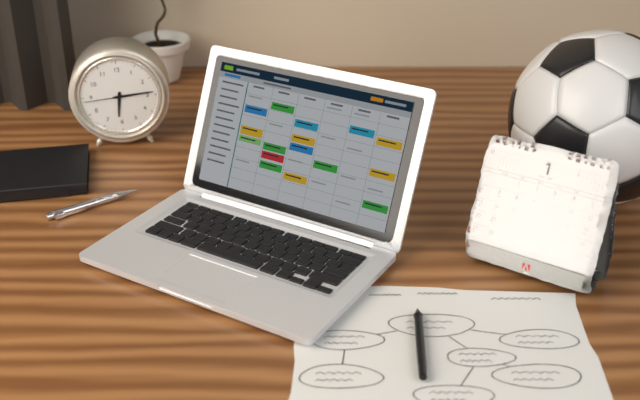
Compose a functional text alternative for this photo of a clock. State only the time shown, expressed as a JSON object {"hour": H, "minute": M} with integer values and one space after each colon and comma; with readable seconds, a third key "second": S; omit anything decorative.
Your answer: {"hour": 6, "minute": 14}
